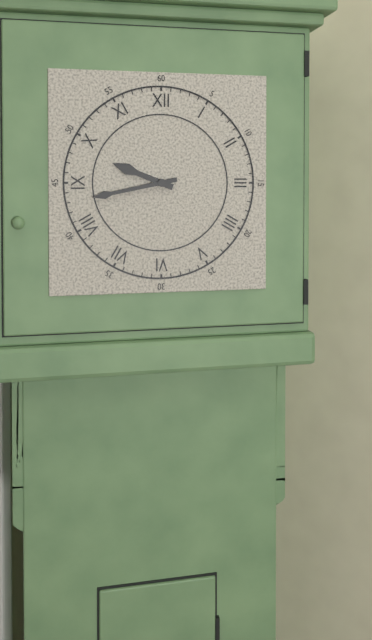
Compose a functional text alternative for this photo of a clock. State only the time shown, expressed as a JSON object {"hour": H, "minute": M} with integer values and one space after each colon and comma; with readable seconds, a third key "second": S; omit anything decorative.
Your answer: {"hour": 9, "minute": 43}
